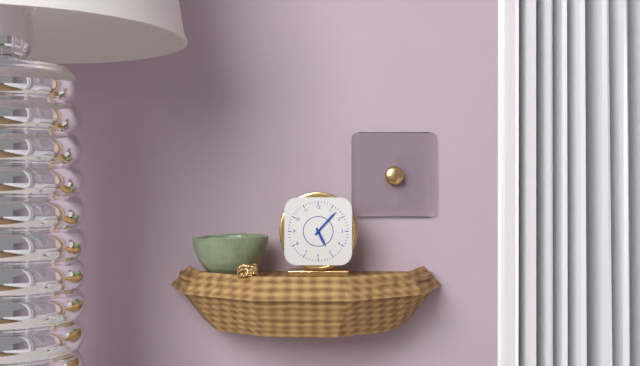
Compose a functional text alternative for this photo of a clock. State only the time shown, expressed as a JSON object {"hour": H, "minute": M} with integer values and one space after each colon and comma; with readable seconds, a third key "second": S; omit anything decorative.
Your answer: {"hour": 5, "minute": 7}
